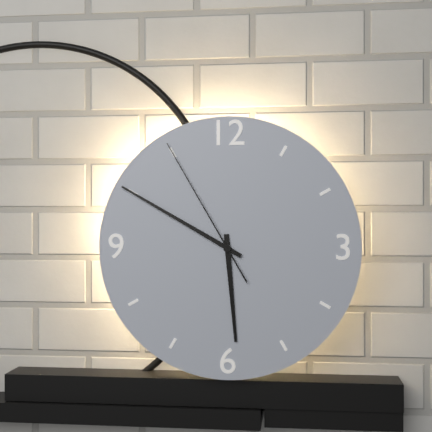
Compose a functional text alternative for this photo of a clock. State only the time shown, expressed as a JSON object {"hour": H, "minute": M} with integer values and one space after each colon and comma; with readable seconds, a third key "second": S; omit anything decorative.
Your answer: {"hour": 5, "minute": 50, "second": 55}
